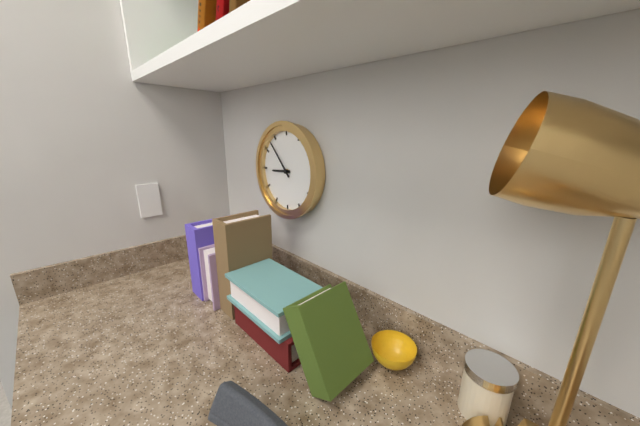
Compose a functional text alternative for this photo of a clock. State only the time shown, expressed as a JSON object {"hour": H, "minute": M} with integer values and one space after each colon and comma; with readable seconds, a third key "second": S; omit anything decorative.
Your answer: {"hour": 8, "minute": 53}
